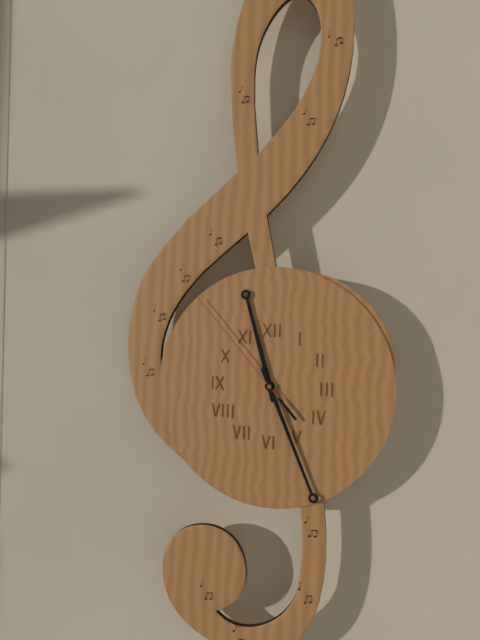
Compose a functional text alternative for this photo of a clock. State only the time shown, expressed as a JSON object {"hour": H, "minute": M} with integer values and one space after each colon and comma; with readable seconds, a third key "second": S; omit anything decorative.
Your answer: {"hour": 11, "minute": 26, "second": 53}
